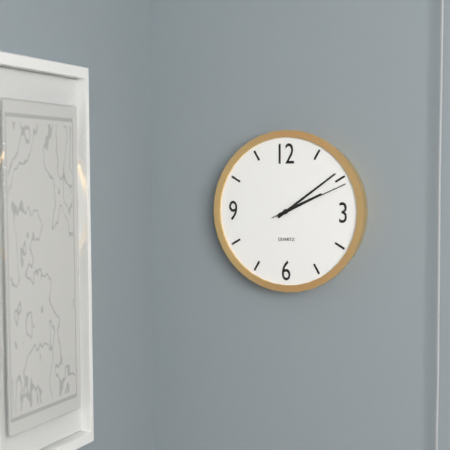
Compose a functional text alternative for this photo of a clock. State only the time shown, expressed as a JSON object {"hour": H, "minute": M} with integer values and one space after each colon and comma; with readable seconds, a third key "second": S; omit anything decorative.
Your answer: {"hour": 2, "minute": 9, "second": 11}
